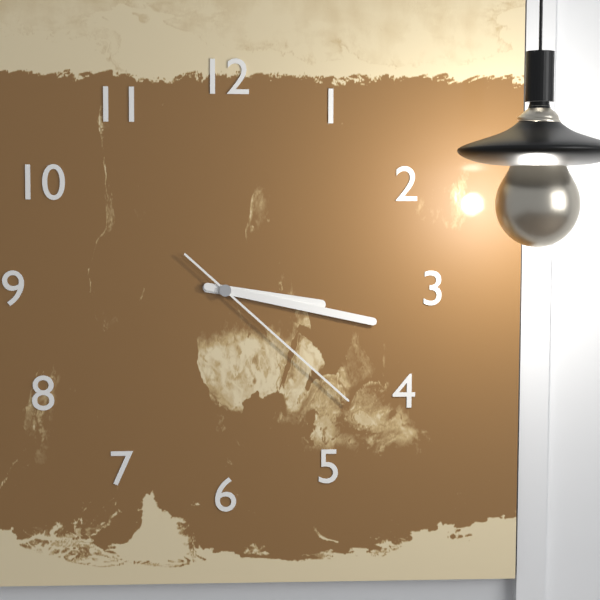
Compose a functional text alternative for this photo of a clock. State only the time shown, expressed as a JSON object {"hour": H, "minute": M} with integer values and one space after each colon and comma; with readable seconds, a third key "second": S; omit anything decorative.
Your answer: {"hour": 3, "minute": 17, "second": 22}
